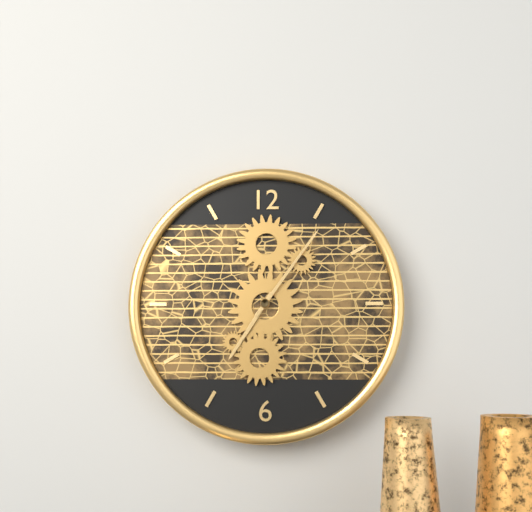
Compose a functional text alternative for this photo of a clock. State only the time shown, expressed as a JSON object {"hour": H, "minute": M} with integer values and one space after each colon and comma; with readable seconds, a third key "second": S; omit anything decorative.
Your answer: {"hour": 7, "minute": 6}
